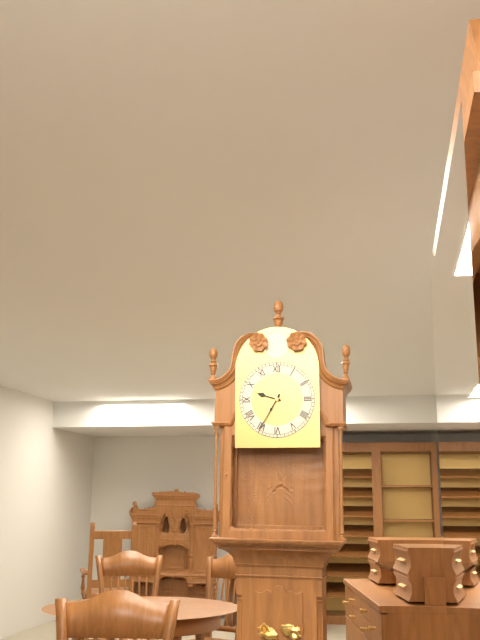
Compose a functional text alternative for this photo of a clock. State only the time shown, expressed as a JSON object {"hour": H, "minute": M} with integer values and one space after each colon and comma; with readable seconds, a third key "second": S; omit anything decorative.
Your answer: {"hour": 9, "minute": 35}
